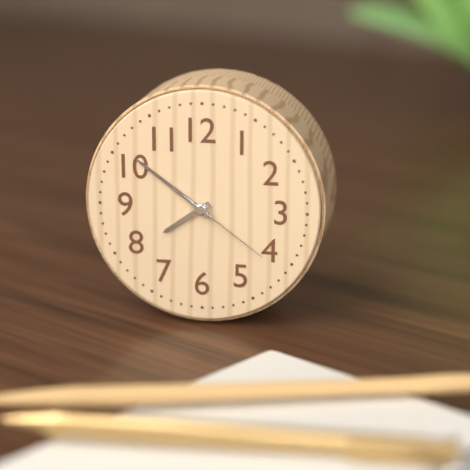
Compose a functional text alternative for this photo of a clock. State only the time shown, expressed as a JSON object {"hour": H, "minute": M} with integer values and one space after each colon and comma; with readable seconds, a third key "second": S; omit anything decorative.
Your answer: {"hour": 7, "minute": 51, "second": 21}
